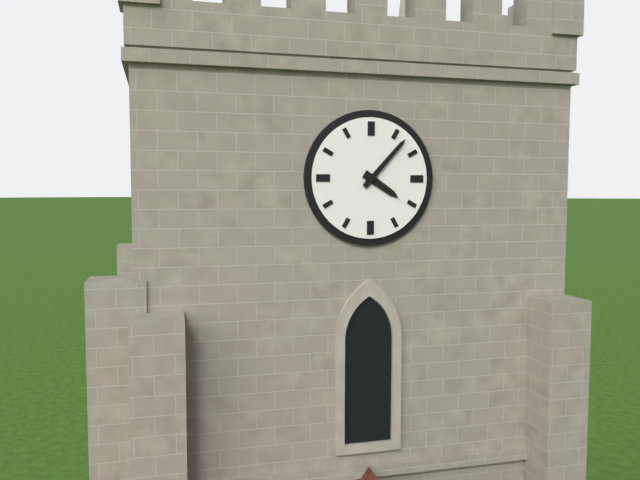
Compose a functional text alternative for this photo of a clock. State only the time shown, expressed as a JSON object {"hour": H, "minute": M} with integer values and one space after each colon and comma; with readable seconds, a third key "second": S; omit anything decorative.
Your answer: {"hour": 4, "minute": 7}
